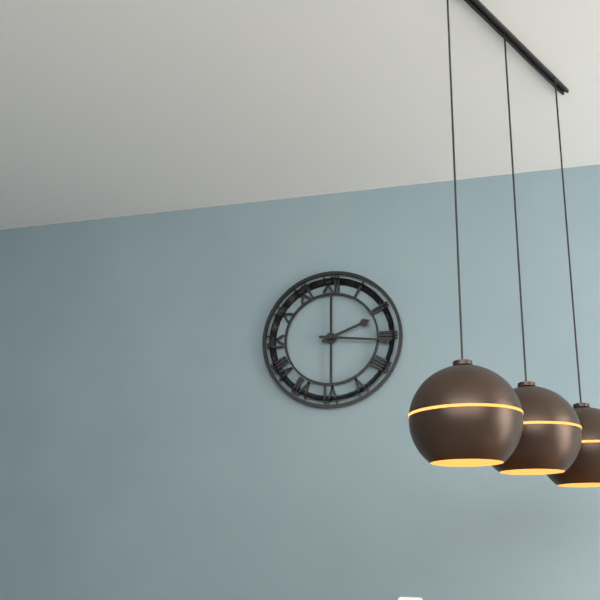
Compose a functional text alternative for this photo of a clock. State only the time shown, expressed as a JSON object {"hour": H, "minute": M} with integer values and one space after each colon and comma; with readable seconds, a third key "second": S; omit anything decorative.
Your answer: {"hour": 2, "minute": 16}
